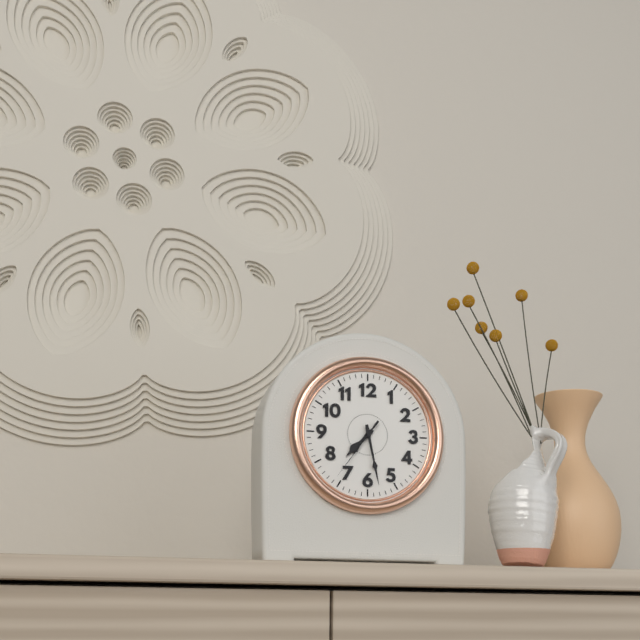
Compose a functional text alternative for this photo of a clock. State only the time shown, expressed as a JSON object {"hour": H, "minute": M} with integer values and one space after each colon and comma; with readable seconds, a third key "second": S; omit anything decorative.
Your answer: {"hour": 7, "minute": 28, "second": 36}
